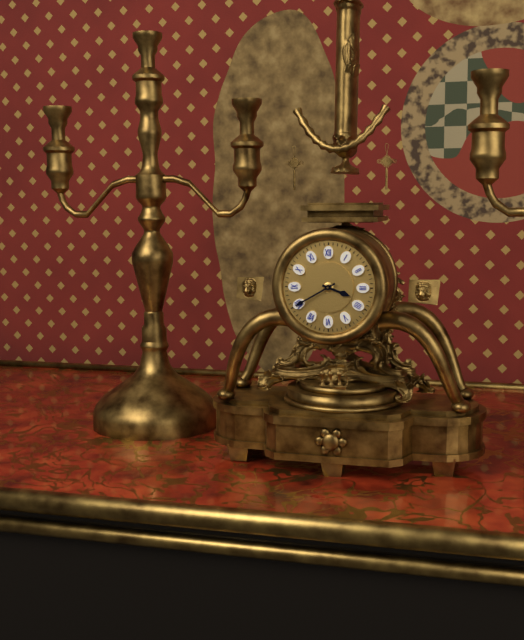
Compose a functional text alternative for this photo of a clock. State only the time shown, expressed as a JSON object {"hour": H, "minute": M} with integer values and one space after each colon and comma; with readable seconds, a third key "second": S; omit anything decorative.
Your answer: {"hour": 3, "minute": 40}
